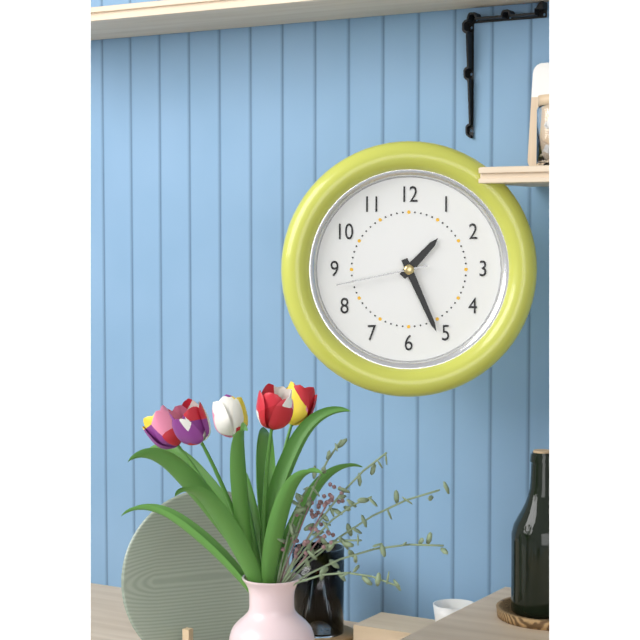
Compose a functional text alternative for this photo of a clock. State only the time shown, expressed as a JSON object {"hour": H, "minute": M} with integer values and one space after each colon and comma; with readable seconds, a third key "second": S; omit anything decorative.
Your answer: {"hour": 1, "minute": 26, "second": 43}
